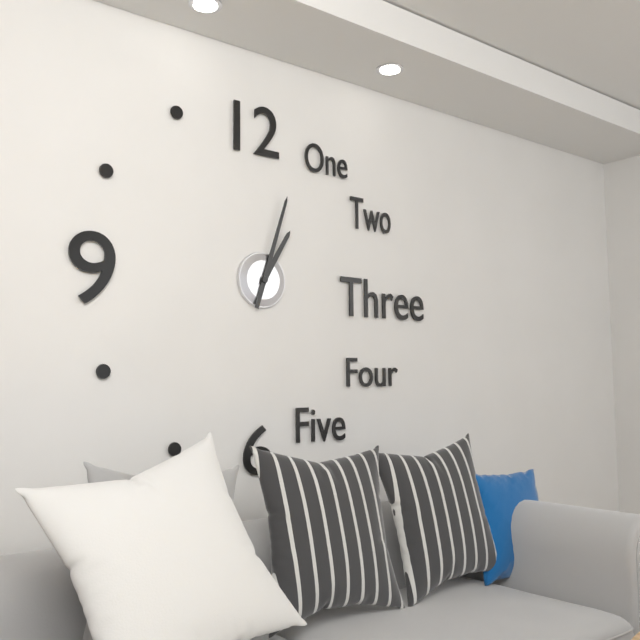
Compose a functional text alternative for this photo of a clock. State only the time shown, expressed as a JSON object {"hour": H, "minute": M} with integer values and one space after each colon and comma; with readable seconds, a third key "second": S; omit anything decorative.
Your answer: {"hour": 1, "minute": 3}
